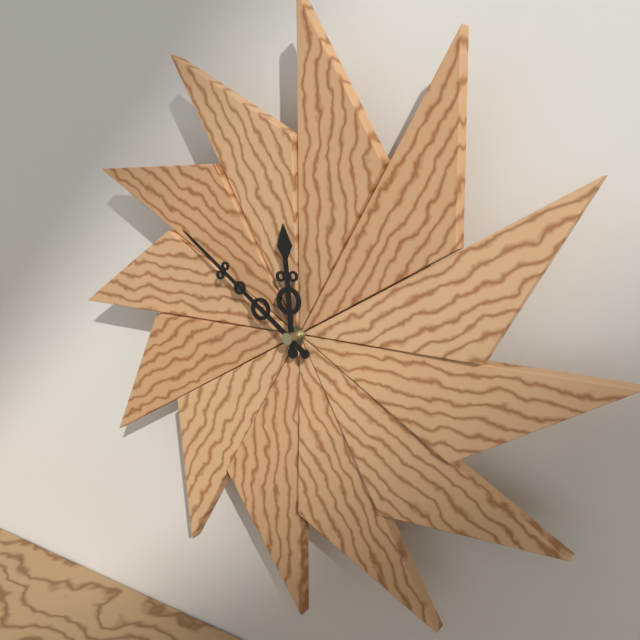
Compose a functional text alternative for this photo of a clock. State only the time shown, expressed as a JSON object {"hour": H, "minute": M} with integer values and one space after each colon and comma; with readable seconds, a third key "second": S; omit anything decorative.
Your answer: {"hour": 11, "minute": 51}
